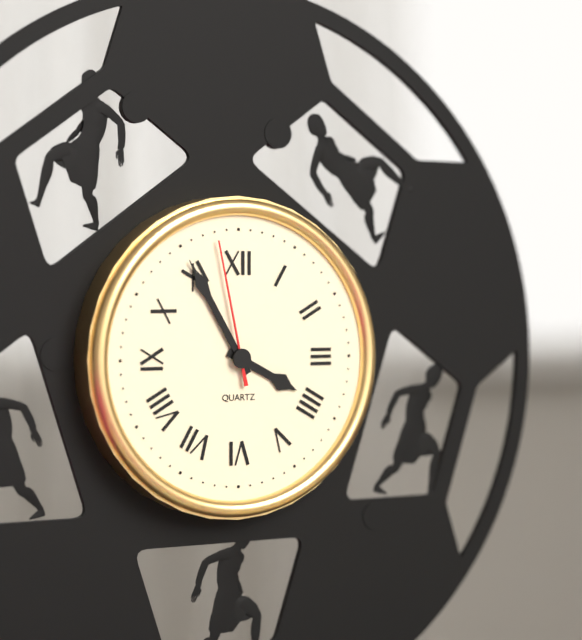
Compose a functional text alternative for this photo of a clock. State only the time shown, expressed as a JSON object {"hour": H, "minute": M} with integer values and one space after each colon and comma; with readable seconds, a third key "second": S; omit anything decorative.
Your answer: {"hour": 3, "minute": 55, "second": 58}
